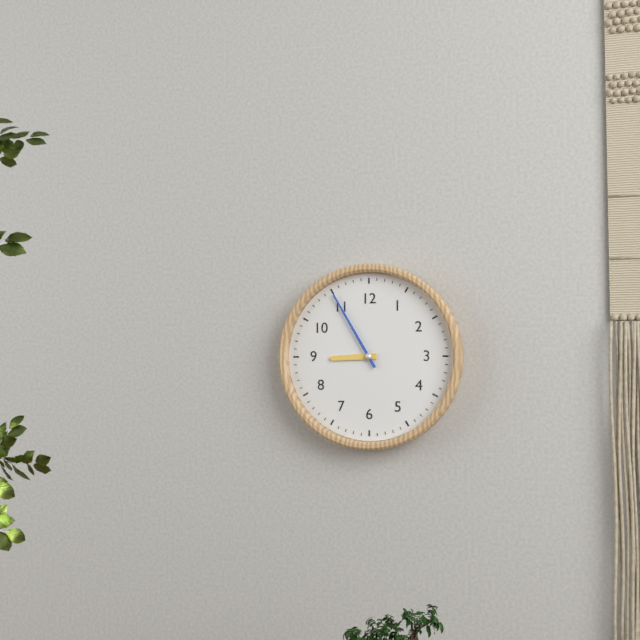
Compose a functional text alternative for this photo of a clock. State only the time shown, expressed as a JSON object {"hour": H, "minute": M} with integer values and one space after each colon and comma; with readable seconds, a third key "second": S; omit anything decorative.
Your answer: {"hour": 8, "minute": 55}
